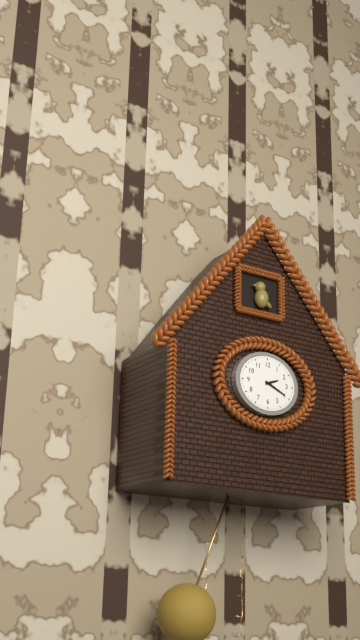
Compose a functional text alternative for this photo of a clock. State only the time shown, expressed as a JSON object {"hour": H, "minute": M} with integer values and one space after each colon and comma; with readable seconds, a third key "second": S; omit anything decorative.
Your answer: {"hour": 2, "minute": 19}
